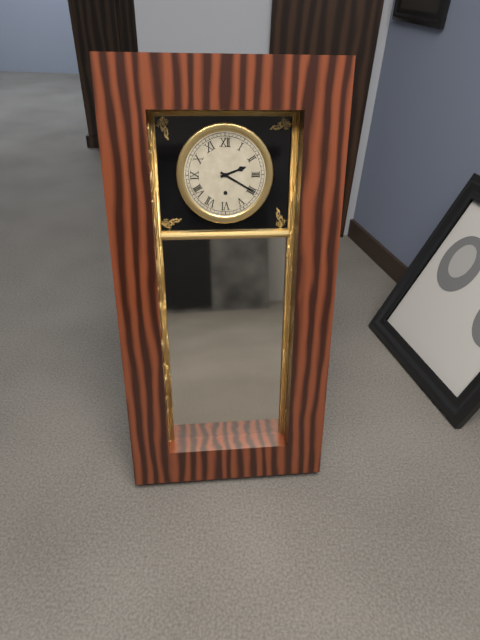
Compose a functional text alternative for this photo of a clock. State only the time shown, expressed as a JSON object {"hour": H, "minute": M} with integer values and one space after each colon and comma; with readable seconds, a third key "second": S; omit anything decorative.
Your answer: {"hour": 2, "minute": 20}
